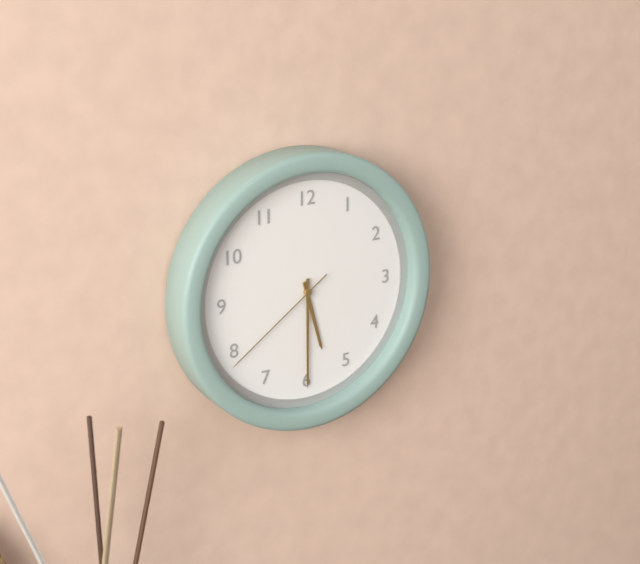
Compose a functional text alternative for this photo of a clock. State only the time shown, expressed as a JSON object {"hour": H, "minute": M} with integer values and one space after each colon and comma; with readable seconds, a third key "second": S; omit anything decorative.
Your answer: {"hour": 5, "minute": 30, "second": 39}
